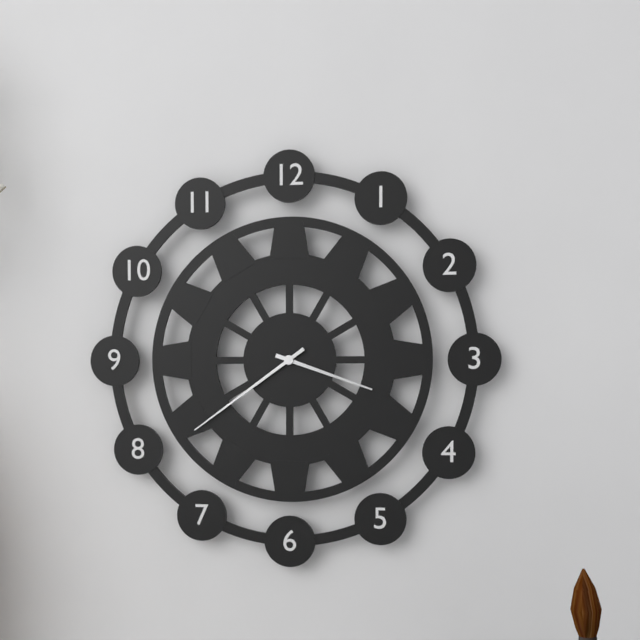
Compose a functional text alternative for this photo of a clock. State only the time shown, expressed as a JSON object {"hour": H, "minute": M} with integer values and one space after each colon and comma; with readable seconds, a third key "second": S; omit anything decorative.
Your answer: {"hour": 3, "minute": 39}
